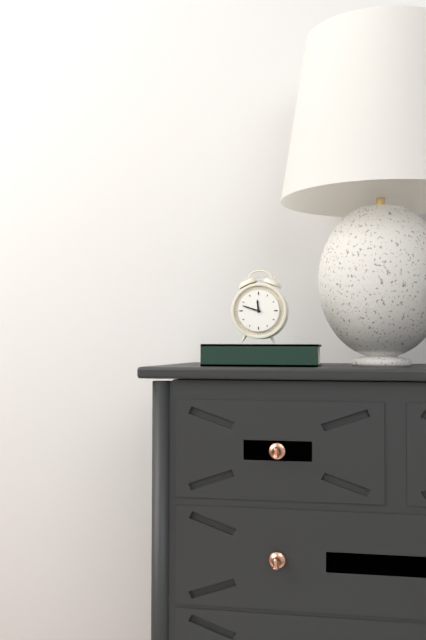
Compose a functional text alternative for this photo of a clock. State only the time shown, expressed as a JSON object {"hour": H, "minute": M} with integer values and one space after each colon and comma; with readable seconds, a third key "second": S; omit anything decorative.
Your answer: {"hour": 11, "minute": 48}
